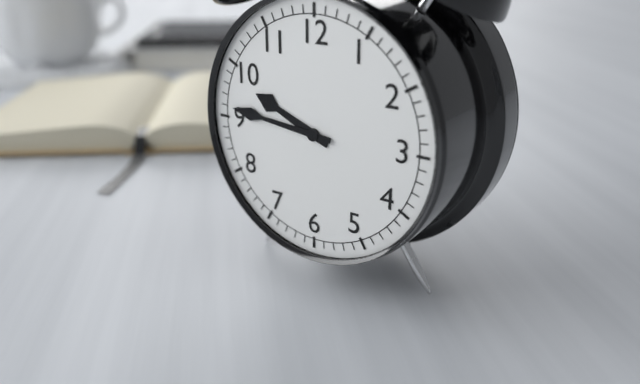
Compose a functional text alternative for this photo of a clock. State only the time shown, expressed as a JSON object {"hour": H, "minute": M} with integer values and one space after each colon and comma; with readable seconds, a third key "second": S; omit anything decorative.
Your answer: {"hour": 9, "minute": 46}
